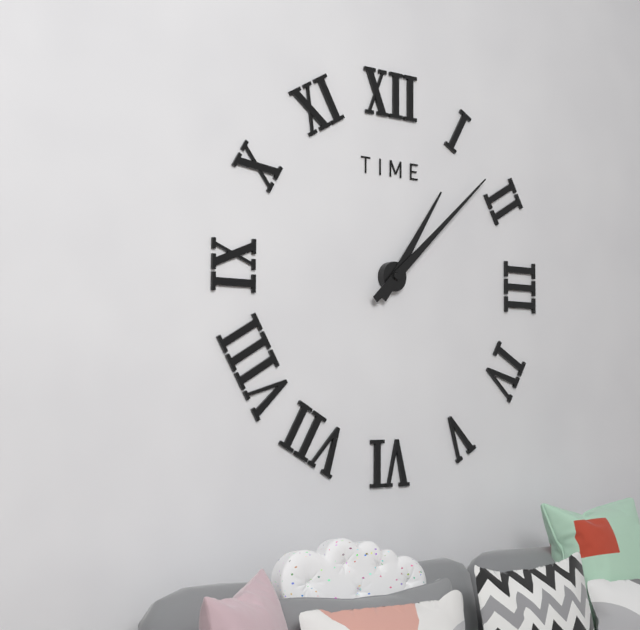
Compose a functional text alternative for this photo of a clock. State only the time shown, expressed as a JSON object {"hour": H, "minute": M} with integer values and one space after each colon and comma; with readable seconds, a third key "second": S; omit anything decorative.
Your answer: {"hour": 1, "minute": 8}
